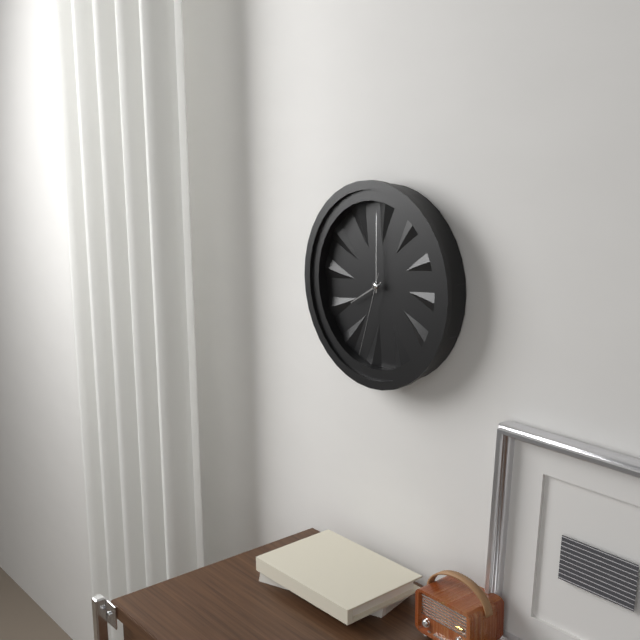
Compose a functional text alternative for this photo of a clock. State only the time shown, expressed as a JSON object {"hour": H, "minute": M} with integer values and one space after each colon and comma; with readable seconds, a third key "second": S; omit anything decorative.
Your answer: {"hour": 8, "minute": 0, "second": 33}
